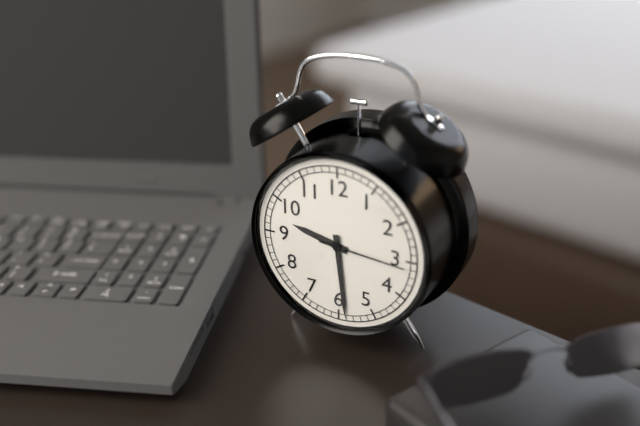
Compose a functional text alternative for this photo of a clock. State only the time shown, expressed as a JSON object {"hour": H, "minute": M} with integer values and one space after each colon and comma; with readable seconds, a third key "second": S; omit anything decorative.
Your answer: {"hour": 9, "minute": 29, "second": 16}
